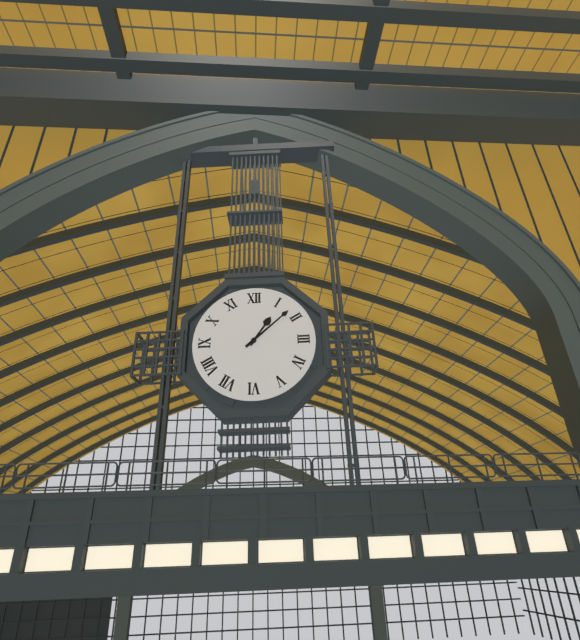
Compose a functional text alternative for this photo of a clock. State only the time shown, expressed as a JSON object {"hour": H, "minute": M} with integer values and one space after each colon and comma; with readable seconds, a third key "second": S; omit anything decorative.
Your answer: {"hour": 1, "minute": 8}
